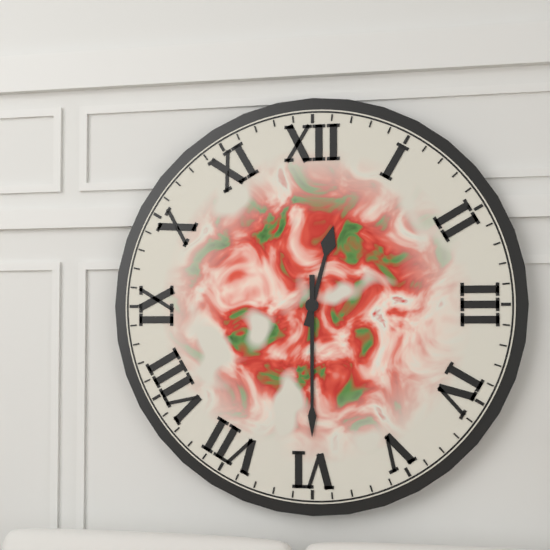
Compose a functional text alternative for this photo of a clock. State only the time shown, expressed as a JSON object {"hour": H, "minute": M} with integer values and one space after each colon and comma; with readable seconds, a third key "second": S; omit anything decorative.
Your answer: {"hour": 12, "minute": 30}
